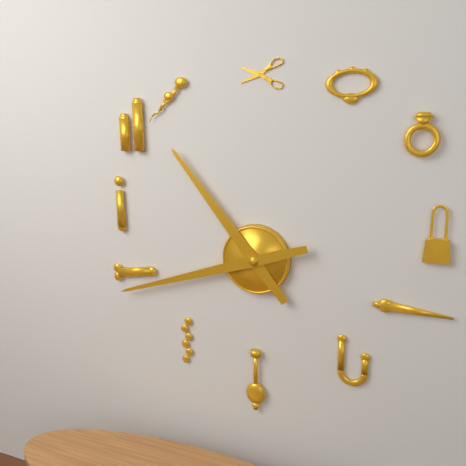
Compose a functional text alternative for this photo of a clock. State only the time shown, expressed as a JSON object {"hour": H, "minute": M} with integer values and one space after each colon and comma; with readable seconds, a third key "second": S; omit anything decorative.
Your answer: {"hour": 10, "minute": 42}
